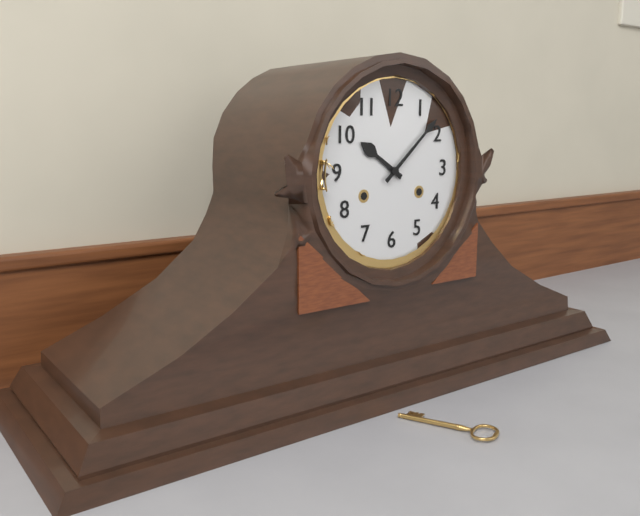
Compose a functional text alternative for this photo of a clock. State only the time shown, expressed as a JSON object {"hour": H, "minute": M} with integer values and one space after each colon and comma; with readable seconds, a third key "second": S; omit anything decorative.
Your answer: {"hour": 10, "minute": 8}
